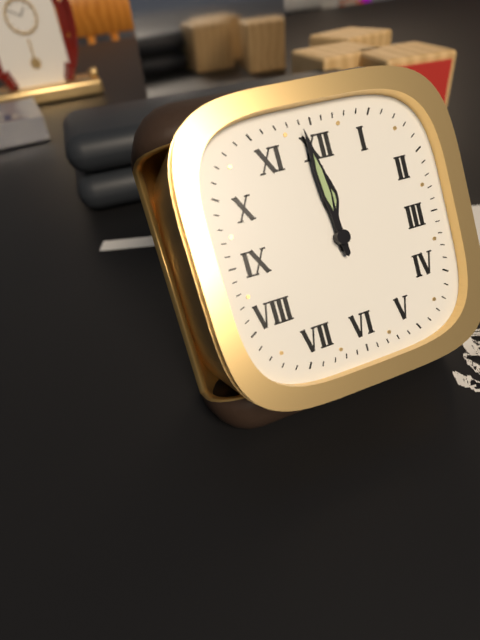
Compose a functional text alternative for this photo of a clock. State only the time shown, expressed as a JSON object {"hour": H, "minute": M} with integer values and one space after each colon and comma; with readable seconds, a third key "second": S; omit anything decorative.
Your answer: {"hour": 11, "minute": 59}
